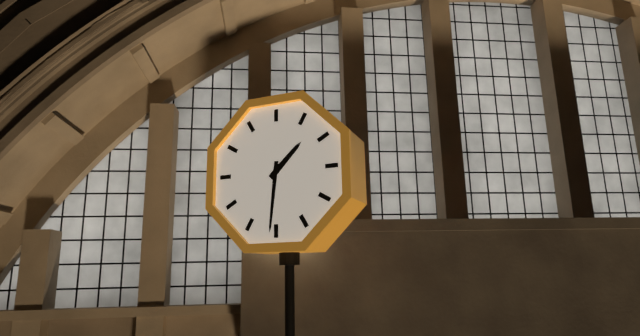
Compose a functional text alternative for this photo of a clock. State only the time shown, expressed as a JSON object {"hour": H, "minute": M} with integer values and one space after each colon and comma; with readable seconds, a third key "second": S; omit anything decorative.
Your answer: {"hour": 1, "minute": 31}
